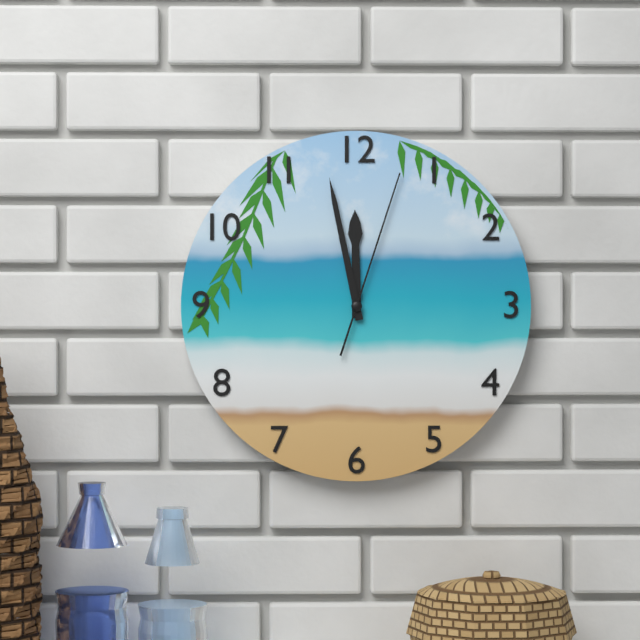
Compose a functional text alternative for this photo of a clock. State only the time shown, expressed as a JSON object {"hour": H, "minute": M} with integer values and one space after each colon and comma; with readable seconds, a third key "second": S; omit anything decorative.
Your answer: {"hour": 11, "minute": 58, "second": 3}
